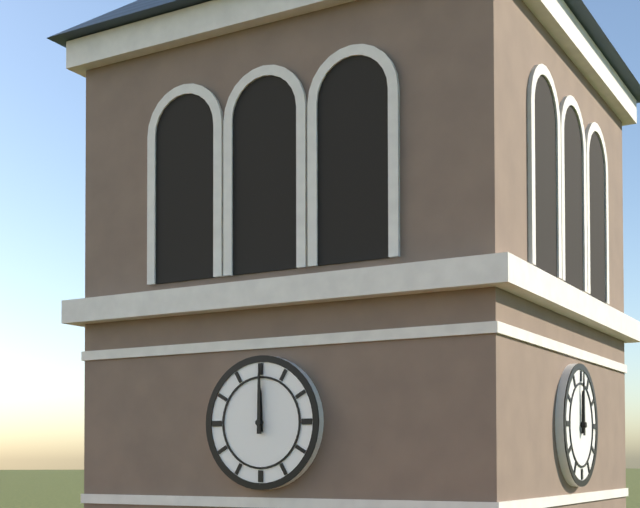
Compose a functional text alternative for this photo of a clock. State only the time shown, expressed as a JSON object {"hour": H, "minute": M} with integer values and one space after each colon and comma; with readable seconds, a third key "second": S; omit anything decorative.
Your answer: {"hour": 12, "minute": 0}
